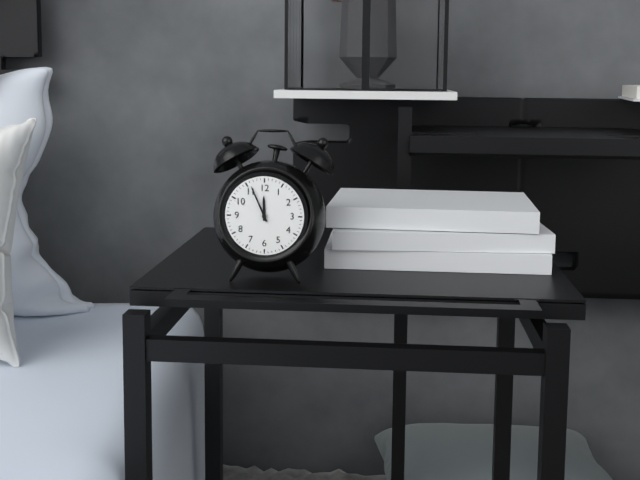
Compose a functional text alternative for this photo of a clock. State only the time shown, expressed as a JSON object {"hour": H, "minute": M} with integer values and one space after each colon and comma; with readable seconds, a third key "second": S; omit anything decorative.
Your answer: {"hour": 11, "minute": 56}
